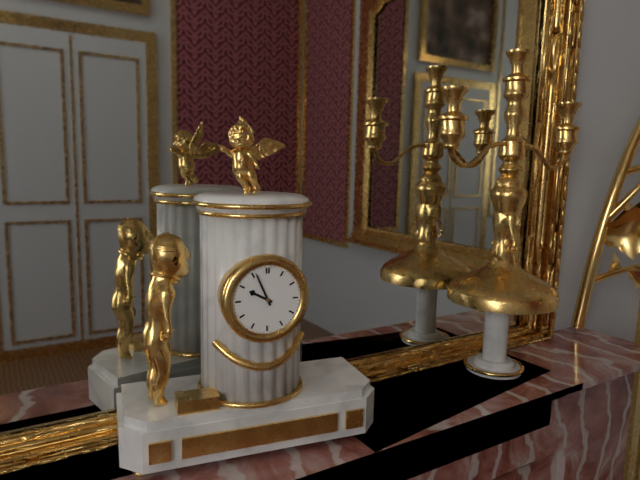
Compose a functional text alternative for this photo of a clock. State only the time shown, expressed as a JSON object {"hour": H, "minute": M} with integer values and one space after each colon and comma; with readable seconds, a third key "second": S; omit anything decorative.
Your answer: {"hour": 9, "minute": 56}
